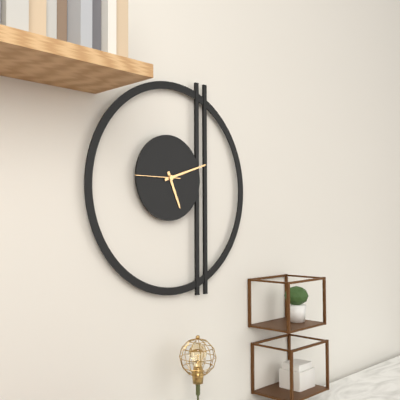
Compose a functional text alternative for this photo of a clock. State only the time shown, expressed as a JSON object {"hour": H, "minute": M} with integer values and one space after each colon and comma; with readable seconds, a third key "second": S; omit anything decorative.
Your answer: {"hour": 5, "minute": 12}
